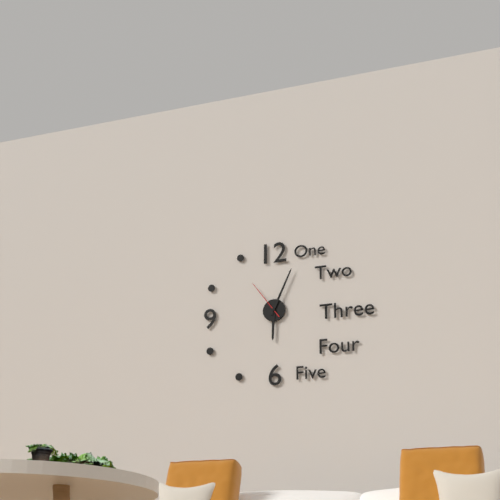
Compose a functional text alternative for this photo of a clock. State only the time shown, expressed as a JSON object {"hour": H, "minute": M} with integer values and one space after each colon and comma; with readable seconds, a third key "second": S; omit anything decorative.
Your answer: {"hour": 6, "minute": 4}
